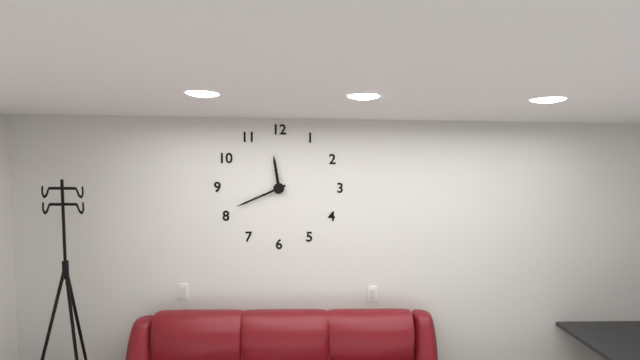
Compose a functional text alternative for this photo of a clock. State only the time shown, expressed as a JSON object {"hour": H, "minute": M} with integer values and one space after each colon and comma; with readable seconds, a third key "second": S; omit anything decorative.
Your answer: {"hour": 11, "minute": 41}
